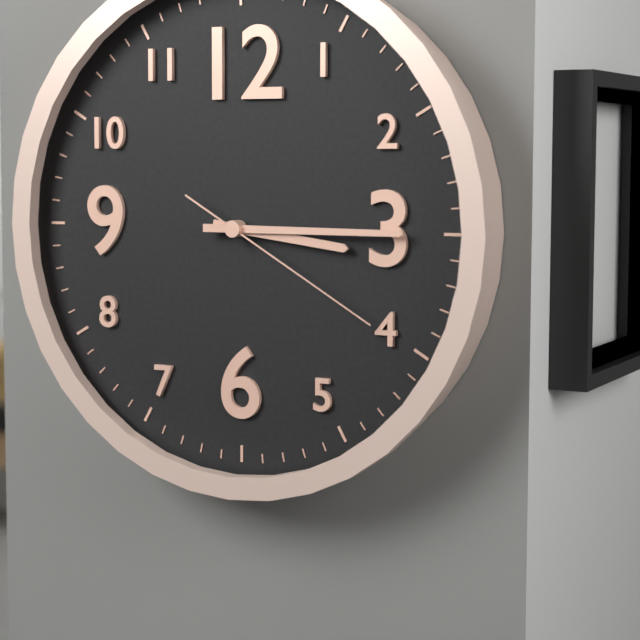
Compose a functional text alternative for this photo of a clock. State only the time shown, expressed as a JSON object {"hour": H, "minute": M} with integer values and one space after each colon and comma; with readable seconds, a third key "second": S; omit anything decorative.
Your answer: {"hour": 3, "minute": 15, "second": 20}
